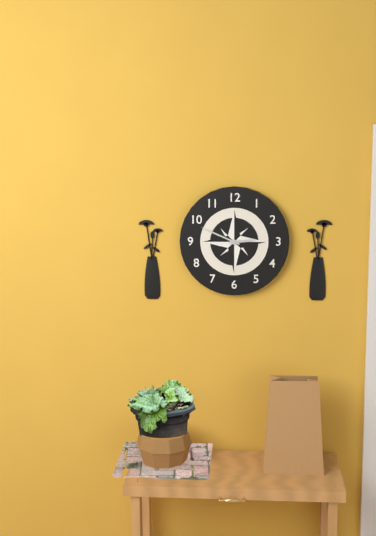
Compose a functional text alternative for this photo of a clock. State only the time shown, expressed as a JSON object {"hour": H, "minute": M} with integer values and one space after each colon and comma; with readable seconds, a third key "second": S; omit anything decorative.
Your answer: {"hour": 2, "minute": 49}
